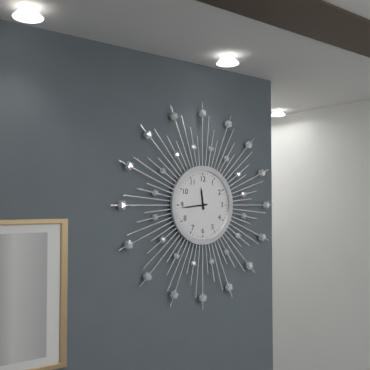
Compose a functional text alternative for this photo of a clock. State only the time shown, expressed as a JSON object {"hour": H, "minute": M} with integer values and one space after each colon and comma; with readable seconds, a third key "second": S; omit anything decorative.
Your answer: {"hour": 11, "minute": 44}
